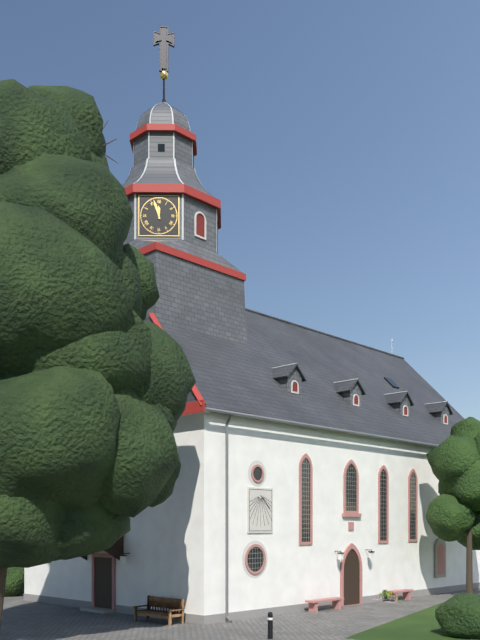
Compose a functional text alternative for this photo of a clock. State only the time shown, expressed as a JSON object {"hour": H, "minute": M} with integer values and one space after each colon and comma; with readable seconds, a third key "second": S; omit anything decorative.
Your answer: {"hour": 11, "minute": 57}
